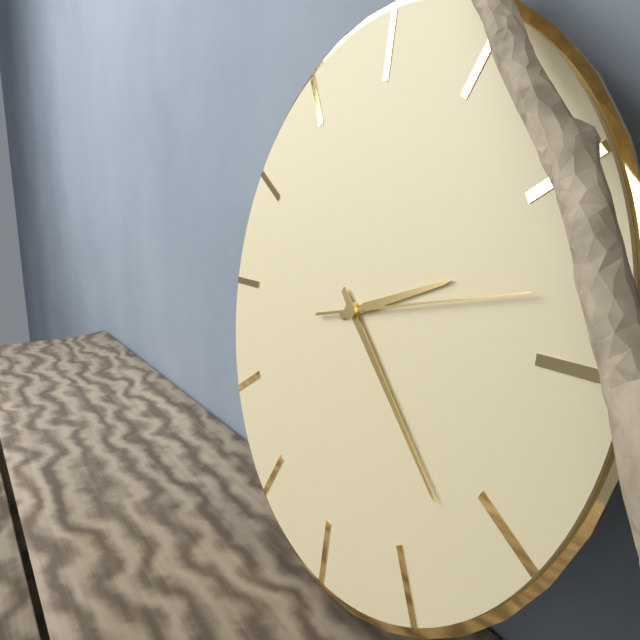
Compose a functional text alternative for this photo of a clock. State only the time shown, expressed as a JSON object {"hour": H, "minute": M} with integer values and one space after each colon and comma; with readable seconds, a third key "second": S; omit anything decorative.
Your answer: {"hour": 2, "minute": 22, "second": 13}
